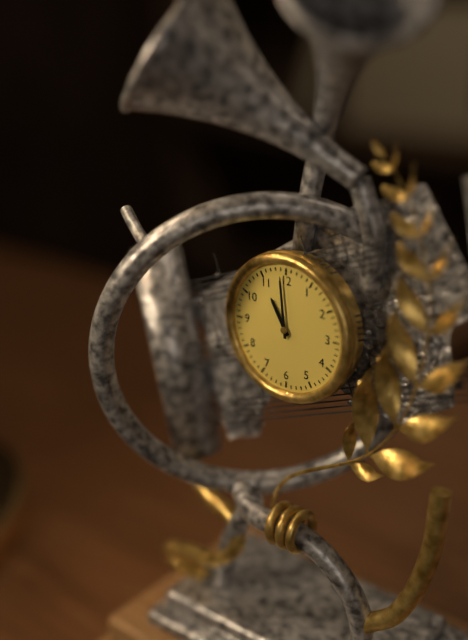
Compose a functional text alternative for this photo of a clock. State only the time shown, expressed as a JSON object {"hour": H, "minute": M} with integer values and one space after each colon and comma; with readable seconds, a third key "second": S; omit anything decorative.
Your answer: {"hour": 10, "minute": 59}
